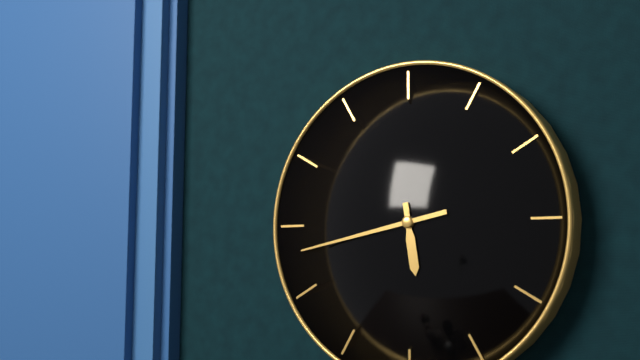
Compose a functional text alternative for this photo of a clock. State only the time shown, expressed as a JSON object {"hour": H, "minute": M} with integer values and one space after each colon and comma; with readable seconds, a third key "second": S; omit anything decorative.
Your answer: {"hour": 5, "minute": 43}
